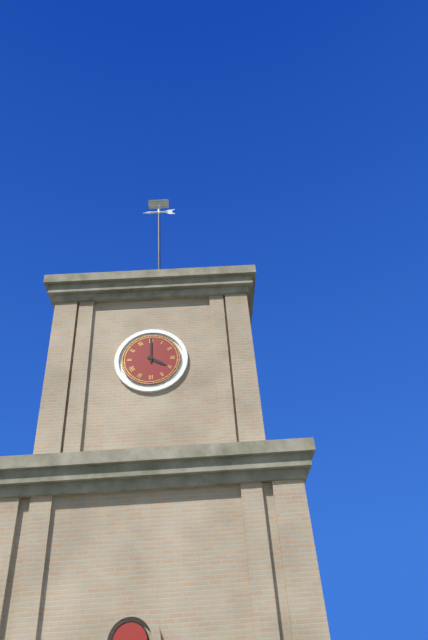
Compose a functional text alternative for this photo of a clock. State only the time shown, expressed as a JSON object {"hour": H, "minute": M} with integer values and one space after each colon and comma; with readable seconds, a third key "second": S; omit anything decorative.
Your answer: {"hour": 4, "minute": 0}
